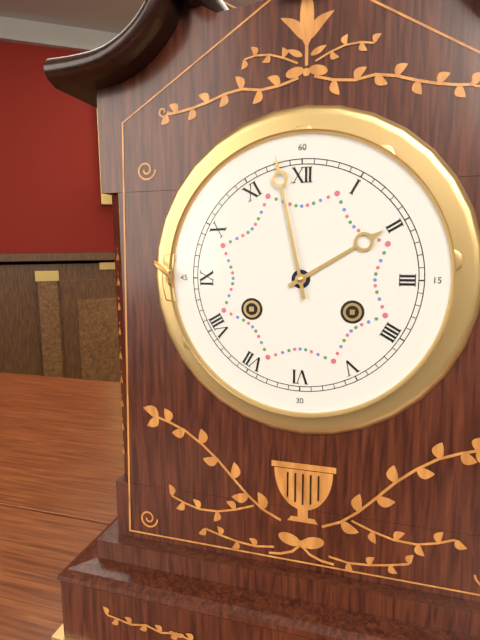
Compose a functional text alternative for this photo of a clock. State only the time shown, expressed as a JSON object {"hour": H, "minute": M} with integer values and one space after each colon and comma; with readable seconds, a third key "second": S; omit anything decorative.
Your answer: {"hour": 1, "minute": 58}
